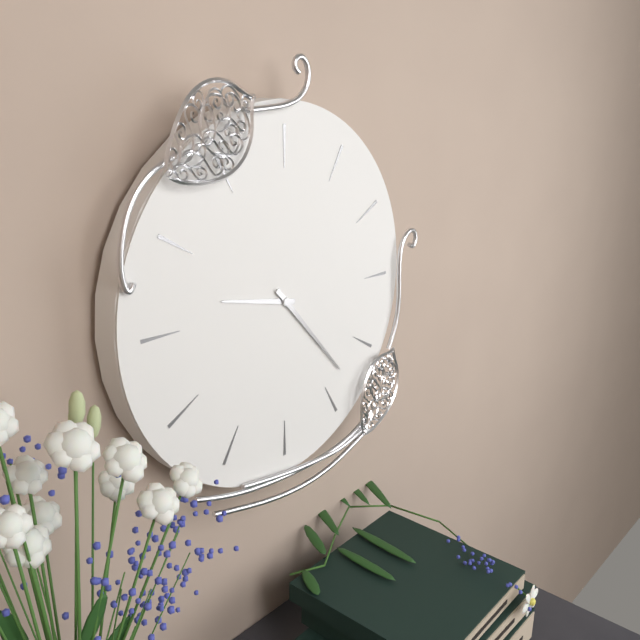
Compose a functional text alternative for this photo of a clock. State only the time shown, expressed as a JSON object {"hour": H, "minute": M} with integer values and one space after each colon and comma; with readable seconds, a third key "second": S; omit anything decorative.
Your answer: {"hour": 9, "minute": 23}
